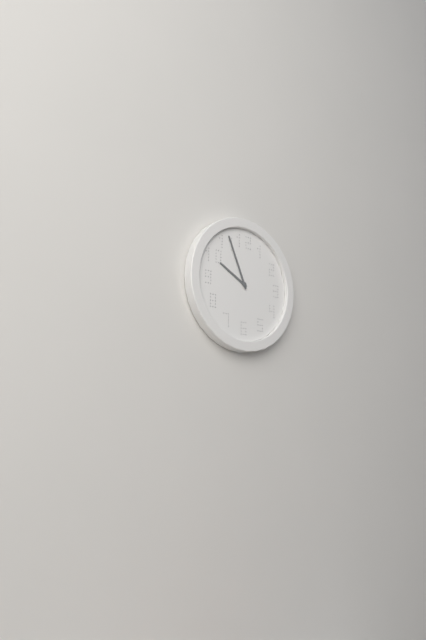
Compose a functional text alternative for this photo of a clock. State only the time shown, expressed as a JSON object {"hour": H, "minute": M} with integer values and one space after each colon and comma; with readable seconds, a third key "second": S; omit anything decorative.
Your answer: {"hour": 9, "minute": 56}
